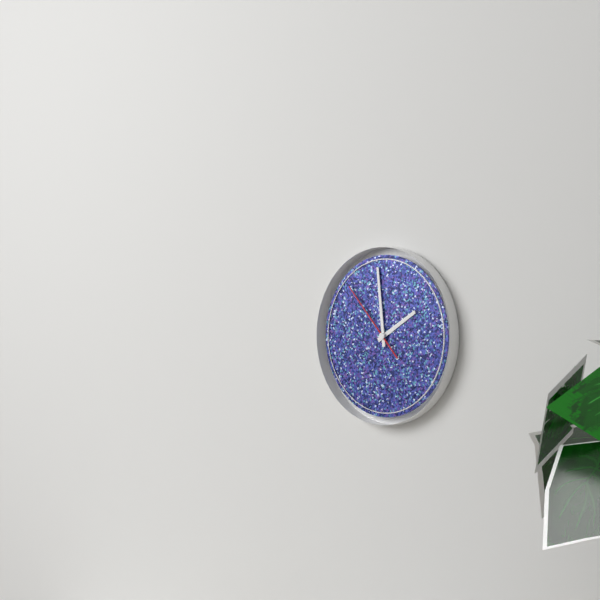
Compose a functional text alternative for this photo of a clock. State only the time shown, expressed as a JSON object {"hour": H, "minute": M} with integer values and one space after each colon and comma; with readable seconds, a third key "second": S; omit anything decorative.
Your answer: {"hour": 1, "minute": 59, "second": 53}
